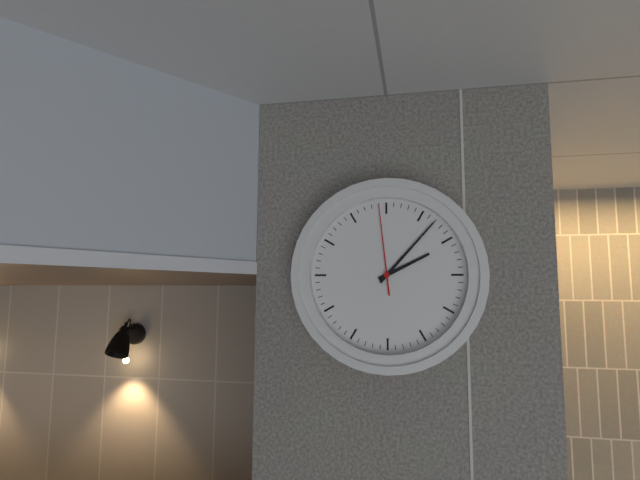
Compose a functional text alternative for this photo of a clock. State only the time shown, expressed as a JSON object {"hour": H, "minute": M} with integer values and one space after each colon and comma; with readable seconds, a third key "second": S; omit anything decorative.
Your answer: {"hour": 2, "minute": 7, "second": 59}
